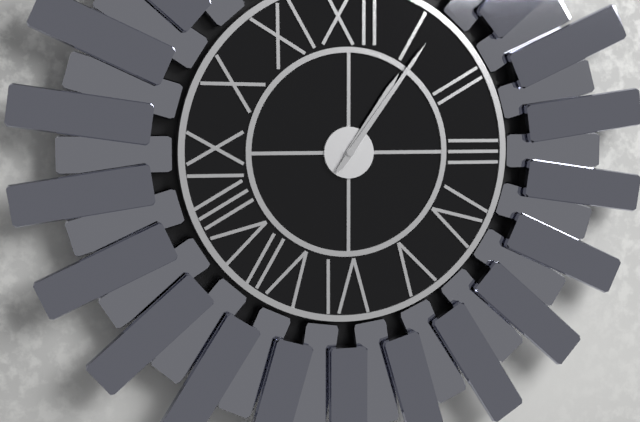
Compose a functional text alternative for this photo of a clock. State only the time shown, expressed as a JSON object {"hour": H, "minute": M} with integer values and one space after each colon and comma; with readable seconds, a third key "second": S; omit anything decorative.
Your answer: {"hour": 1, "minute": 6}
